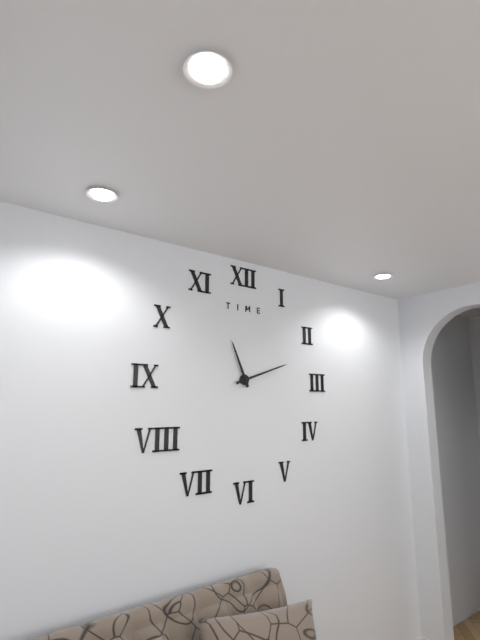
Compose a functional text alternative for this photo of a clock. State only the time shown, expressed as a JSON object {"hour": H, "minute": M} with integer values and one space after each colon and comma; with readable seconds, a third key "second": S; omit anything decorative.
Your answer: {"hour": 11, "minute": 12}
